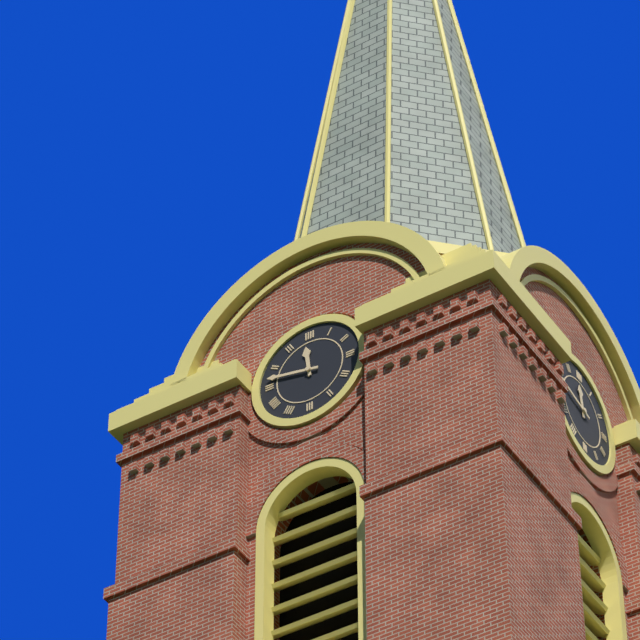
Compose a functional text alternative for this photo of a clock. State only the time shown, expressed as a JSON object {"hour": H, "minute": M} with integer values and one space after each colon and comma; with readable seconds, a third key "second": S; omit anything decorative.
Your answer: {"hour": 11, "minute": 47}
